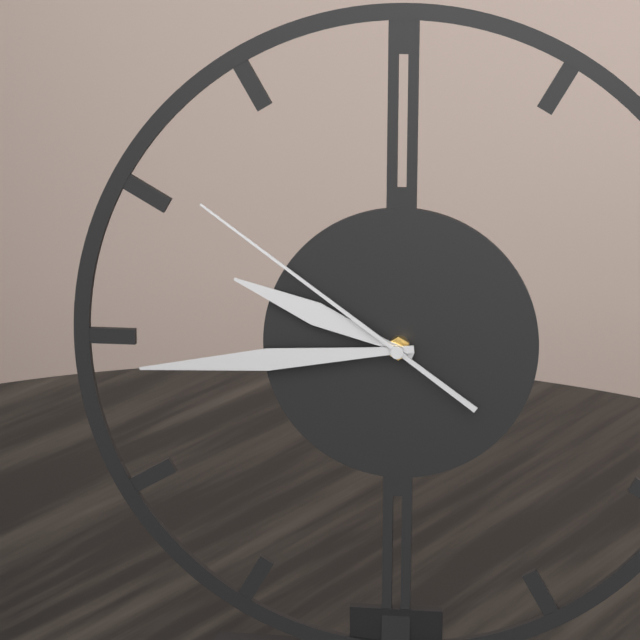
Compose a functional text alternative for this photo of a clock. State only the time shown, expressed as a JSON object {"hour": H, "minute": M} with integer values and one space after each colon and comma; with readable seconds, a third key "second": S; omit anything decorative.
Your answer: {"hour": 9, "minute": 44, "second": 51}
